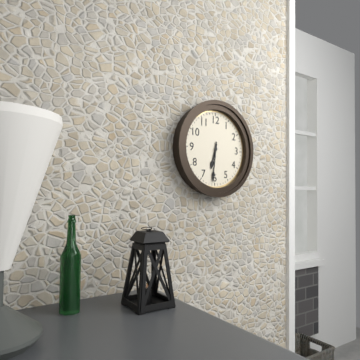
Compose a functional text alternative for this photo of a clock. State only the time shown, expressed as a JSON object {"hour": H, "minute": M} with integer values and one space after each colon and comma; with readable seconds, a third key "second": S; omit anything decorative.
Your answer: {"hour": 6, "minute": 31}
